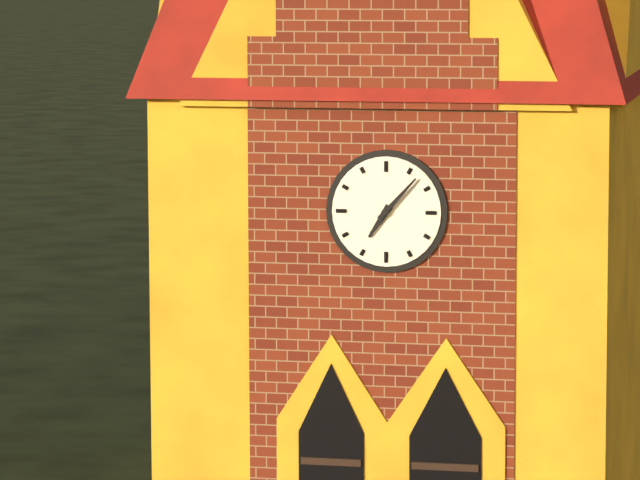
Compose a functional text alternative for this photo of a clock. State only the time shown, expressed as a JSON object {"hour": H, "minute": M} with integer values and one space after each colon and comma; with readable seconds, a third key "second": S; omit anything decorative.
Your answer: {"hour": 7, "minute": 7}
